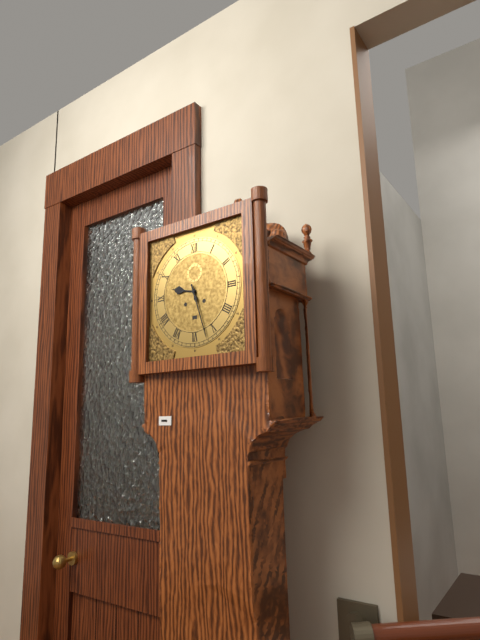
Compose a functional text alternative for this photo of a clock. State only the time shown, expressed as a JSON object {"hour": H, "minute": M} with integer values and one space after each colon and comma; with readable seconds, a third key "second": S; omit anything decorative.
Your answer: {"hour": 9, "minute": 27}
